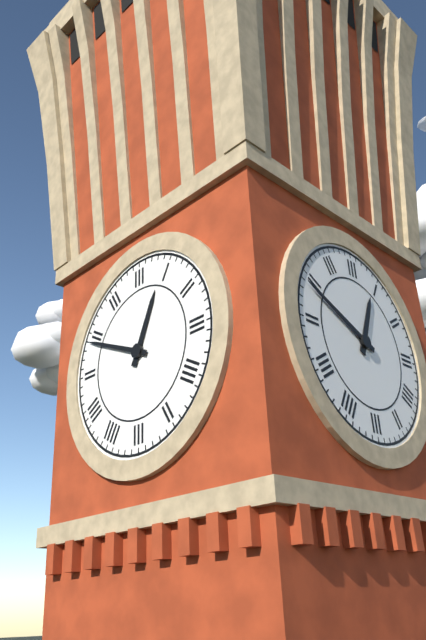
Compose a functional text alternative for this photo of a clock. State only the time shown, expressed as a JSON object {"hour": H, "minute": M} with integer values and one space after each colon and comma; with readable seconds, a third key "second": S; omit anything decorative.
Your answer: {"hour": 12, "minute": 49}
